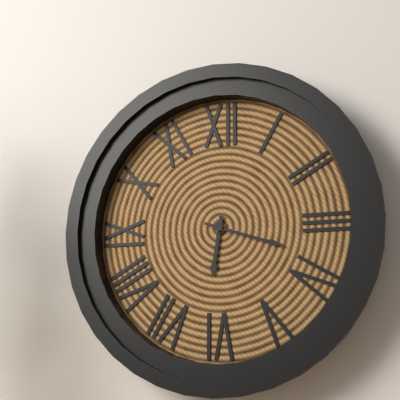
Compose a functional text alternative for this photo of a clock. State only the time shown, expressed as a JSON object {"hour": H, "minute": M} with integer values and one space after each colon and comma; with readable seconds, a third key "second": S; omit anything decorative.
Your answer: {"hour": 6, "minute": 18}
